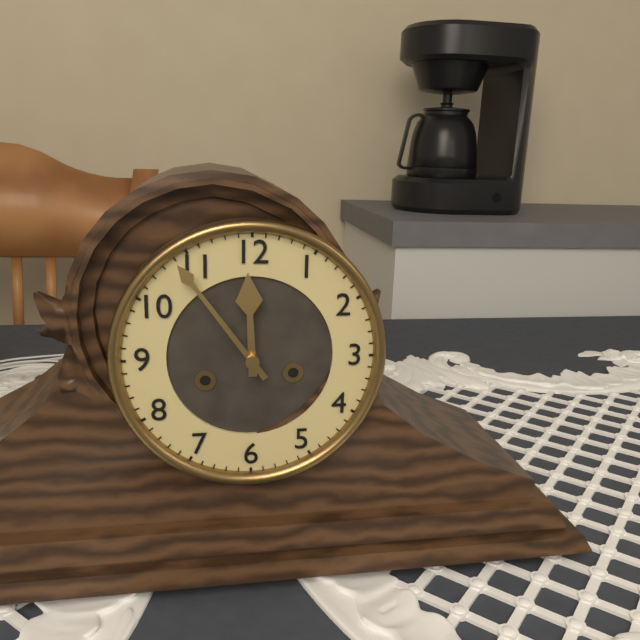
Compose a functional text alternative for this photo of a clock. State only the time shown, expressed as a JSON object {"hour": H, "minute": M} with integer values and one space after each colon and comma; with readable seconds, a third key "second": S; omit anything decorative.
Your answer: {"hour": 11, "minute": 54}
